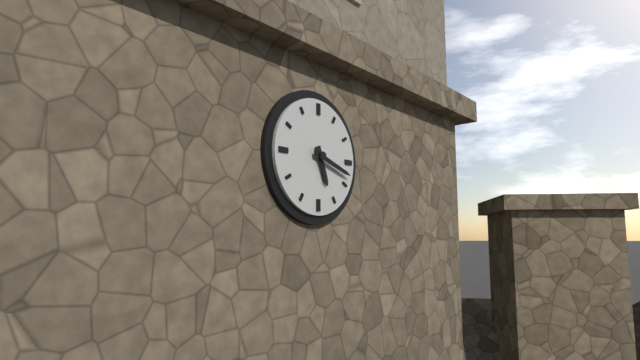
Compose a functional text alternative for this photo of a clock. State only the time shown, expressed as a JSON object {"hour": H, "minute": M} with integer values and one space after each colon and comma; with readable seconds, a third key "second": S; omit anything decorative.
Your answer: {"hour": 5, "minute": 18}
